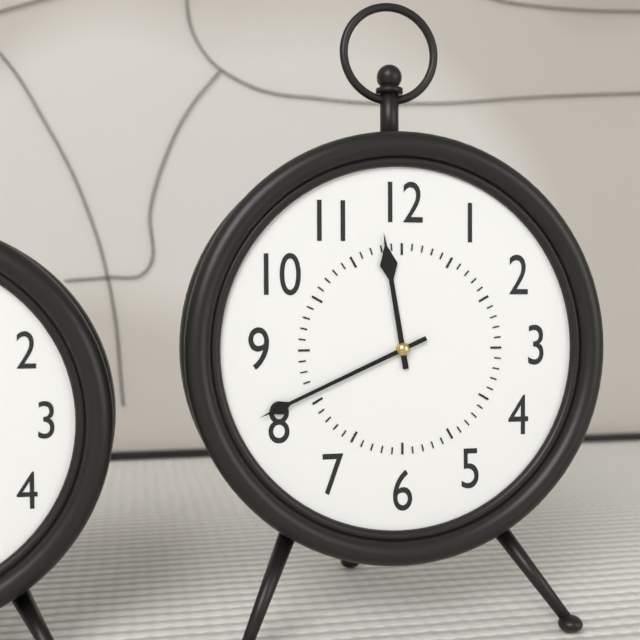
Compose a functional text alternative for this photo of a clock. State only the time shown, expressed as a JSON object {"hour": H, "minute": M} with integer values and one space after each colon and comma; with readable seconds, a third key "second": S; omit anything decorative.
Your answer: {"hour": 11, "minute": 41}
